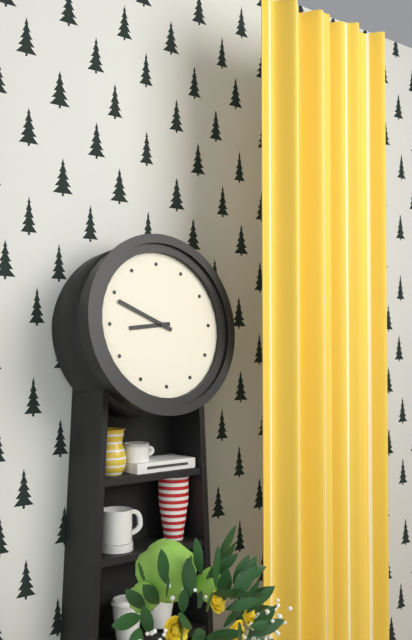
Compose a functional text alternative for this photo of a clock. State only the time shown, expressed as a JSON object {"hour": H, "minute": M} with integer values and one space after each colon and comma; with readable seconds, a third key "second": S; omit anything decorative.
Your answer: {"hour": 8, "minute": 49}
